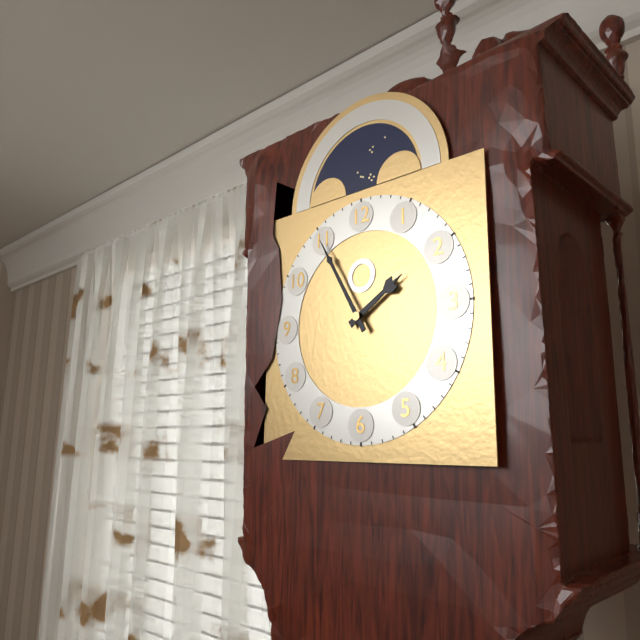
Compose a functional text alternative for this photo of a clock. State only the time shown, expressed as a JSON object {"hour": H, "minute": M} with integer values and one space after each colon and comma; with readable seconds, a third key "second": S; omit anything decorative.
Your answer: {"hour": 1, "minute": 55}
